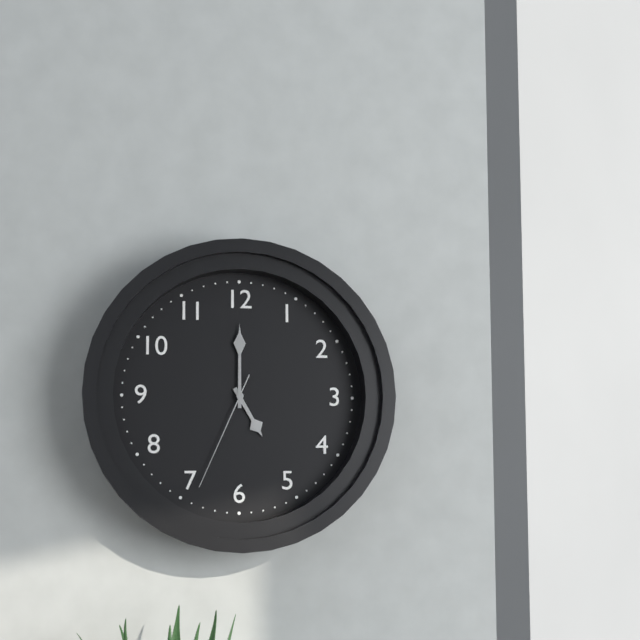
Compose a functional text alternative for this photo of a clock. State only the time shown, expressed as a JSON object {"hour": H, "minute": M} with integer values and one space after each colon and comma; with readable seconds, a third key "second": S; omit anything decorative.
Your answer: {"hour": 5, "minute": 0, "second": 34}
